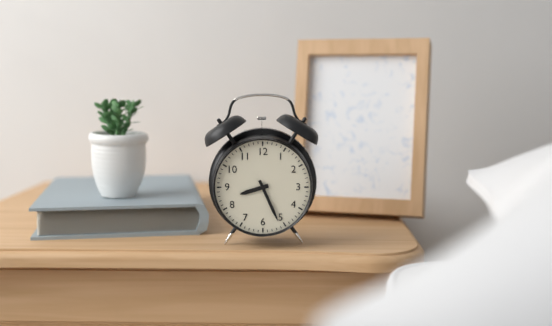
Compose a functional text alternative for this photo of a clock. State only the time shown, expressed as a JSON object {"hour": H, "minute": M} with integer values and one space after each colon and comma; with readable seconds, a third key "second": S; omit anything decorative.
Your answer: {"hour": 8, "minute": 26}
